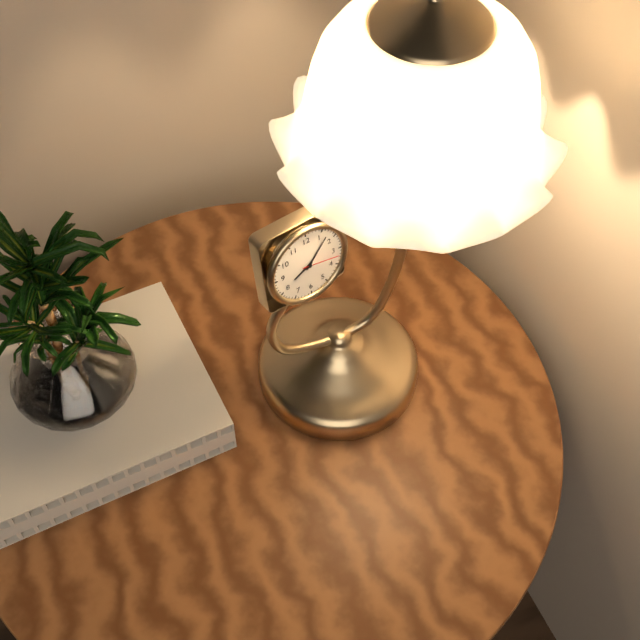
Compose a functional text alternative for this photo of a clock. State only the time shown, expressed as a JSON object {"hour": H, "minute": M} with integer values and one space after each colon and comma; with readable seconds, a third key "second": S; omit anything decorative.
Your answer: {"hour": 8, "minute": 7}
